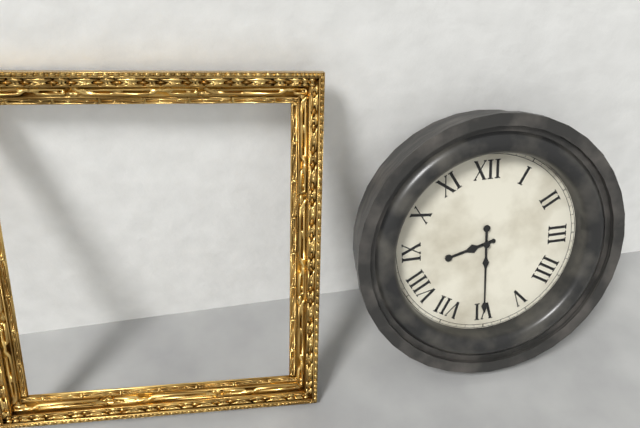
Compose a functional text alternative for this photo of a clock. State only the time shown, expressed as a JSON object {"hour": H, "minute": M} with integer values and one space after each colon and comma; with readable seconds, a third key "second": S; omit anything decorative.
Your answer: {"hour": 8, "minute": 30}
